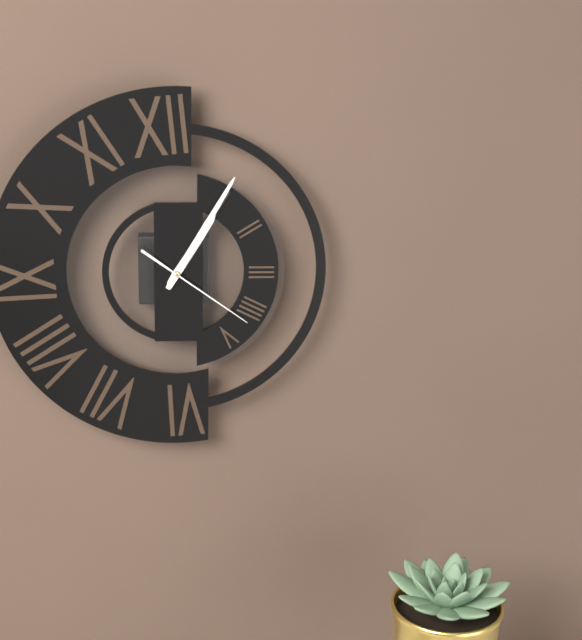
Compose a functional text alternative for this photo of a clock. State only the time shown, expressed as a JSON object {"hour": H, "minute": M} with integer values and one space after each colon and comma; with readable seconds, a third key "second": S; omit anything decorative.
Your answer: {"hour": 1, "minute": 5, "second": 21}
